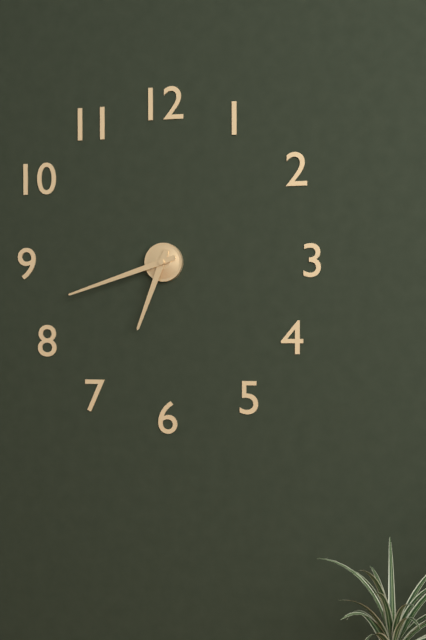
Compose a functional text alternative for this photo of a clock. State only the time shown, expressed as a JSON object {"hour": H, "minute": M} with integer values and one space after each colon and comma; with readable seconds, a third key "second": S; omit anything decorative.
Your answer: {"hour": 6, "minute": 42}
